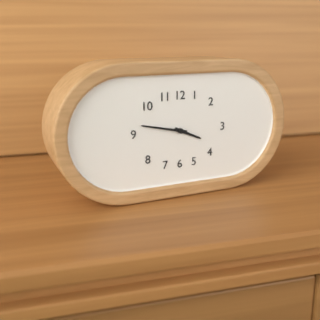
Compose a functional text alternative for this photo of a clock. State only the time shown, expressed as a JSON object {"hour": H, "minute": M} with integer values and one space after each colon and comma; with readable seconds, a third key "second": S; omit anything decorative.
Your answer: {"hour": 3, "minute": 47}
